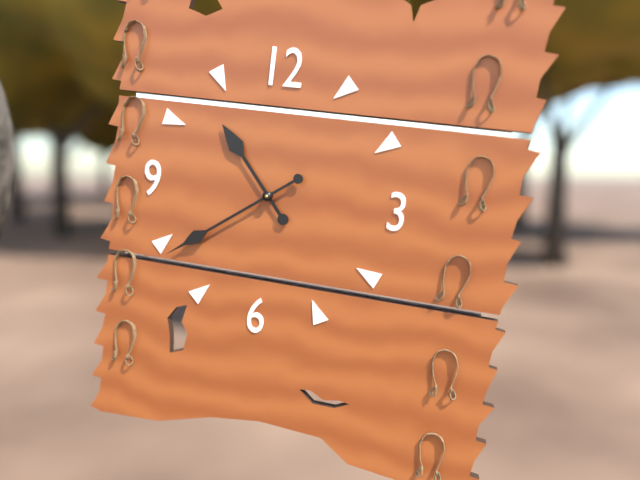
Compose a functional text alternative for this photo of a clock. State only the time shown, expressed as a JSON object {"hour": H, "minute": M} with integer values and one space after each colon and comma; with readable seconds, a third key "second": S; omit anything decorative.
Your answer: {"hour": 10, "minute": 39}
